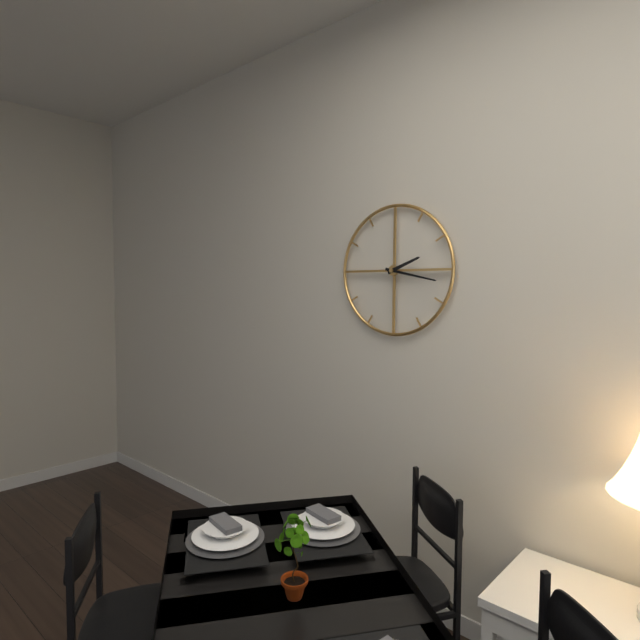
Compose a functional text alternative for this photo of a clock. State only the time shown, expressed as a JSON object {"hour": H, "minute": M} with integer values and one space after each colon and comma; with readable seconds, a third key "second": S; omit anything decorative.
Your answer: {"hour": 2, "minute": 17}
